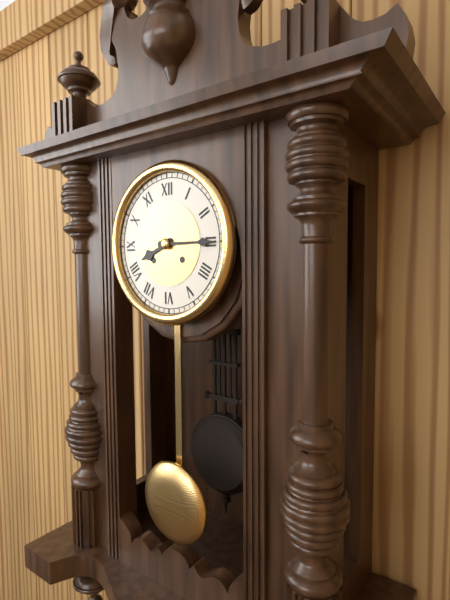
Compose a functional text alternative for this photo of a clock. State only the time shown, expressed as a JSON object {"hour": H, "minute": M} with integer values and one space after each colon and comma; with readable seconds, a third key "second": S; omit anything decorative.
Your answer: {"hour": 8, "minute": 15}
